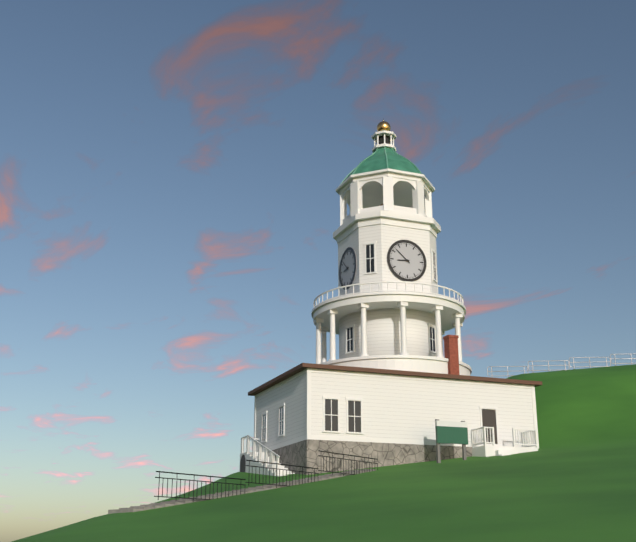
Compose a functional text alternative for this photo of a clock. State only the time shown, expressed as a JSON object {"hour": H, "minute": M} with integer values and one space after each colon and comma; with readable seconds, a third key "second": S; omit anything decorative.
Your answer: {"hour": 8, "minute": 52}
